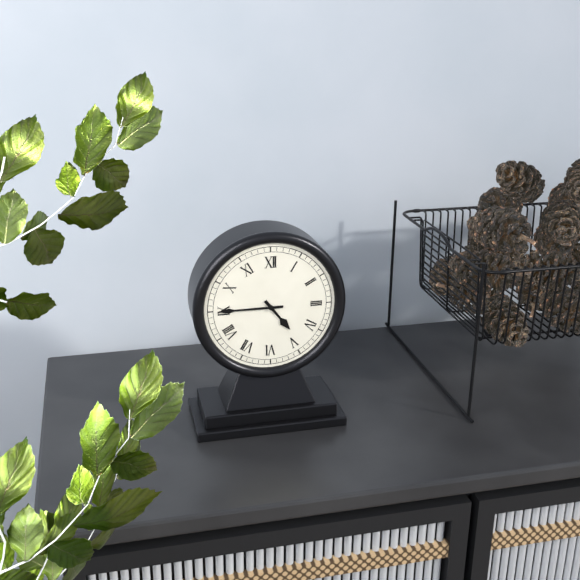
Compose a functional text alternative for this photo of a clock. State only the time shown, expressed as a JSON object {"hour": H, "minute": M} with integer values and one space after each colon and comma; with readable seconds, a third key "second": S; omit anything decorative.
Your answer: {"hour": 4, "minute": 45}
